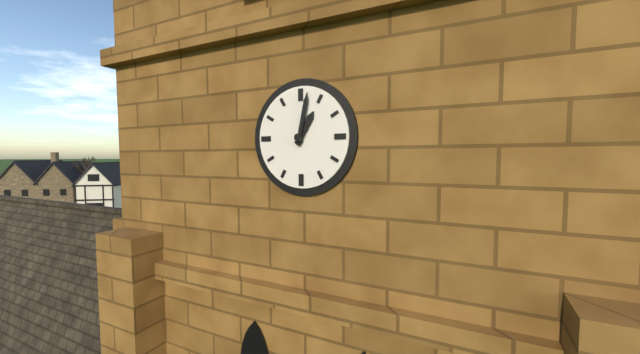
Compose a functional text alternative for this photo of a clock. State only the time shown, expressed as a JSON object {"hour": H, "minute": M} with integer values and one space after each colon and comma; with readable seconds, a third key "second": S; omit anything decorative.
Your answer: {"hour": 1, "minute": 2}
